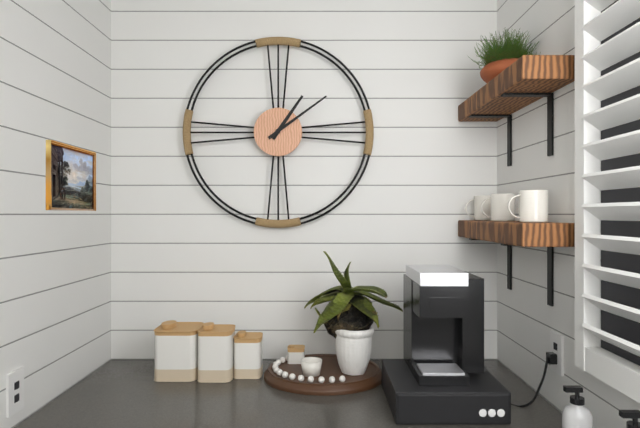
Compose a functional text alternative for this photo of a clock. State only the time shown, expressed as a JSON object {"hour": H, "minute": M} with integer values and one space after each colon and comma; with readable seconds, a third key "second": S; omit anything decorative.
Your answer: {"hour": 1, "minute": 9}
